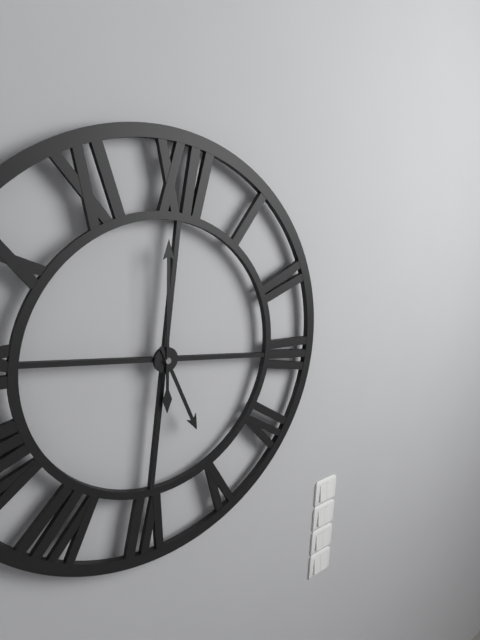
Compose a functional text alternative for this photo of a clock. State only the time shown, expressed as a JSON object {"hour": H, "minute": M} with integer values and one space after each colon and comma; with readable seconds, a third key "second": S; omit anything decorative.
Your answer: {"hour": 4, "minute": 59}
